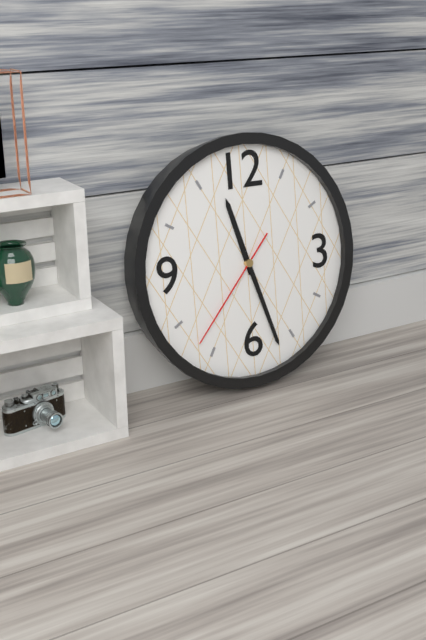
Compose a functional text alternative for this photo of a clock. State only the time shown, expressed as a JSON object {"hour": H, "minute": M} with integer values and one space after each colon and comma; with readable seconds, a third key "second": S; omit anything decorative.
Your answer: {"hour": 11, "minute": 27, "second": 37}
